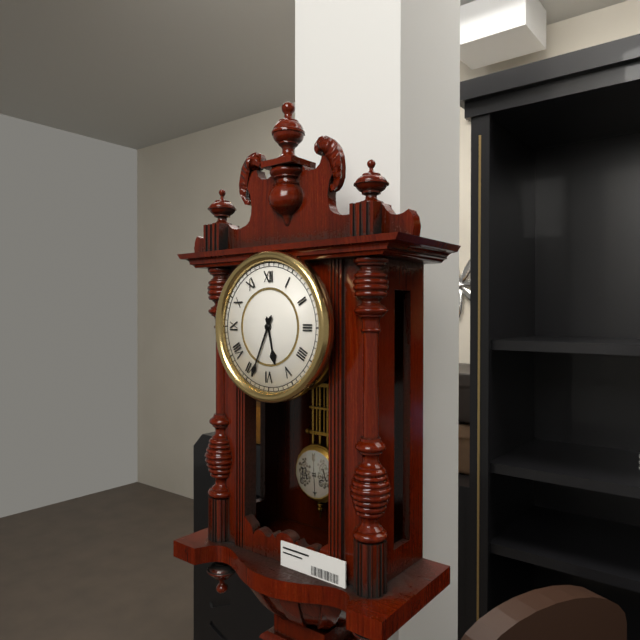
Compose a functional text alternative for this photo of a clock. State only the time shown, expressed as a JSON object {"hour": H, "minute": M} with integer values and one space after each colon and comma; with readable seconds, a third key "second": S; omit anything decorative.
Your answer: {"hour": 5, "minute": 34}
